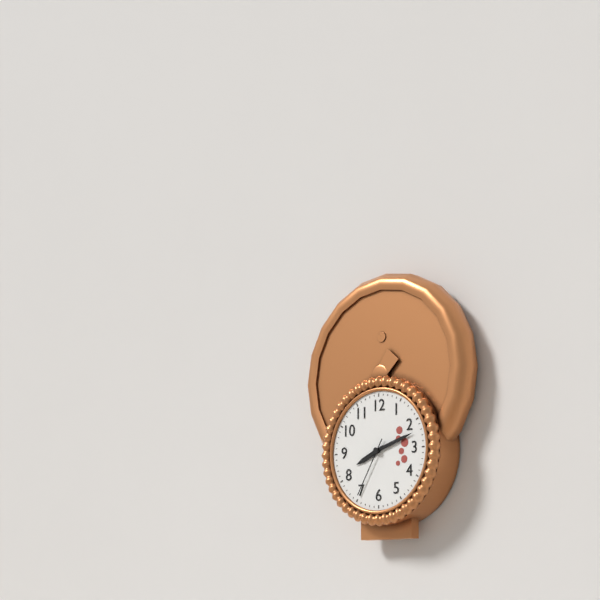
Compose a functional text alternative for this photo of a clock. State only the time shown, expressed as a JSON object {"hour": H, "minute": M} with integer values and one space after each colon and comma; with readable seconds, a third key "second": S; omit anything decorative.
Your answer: {"hour": 8, "minute": 12, "second": 35}
